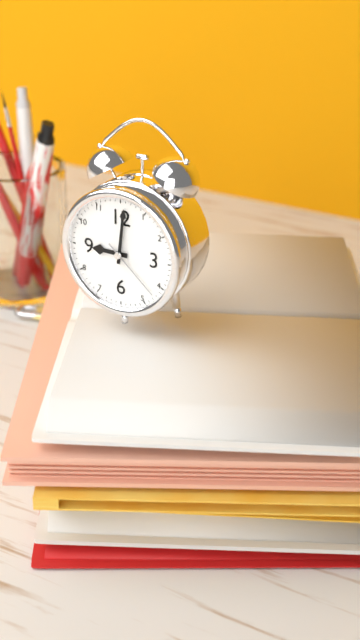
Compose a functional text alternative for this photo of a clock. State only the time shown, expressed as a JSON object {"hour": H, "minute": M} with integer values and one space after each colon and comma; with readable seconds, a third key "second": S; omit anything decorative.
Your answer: {"hour": 9, "minute": 1, "second": 22}
